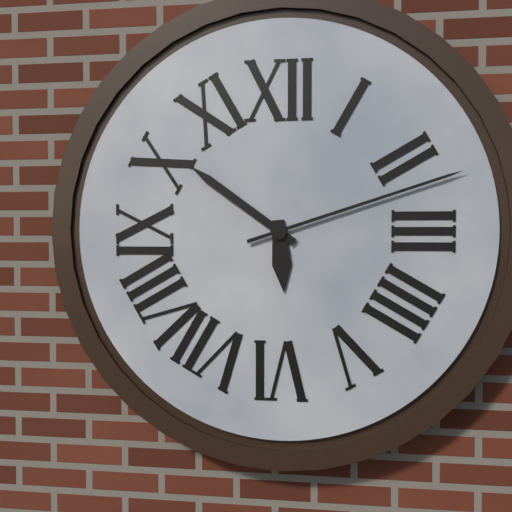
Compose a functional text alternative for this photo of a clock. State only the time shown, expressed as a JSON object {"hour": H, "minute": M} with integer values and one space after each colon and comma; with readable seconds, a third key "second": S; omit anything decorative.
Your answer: {"hour": 5, "minute": 51, "second": 12}
